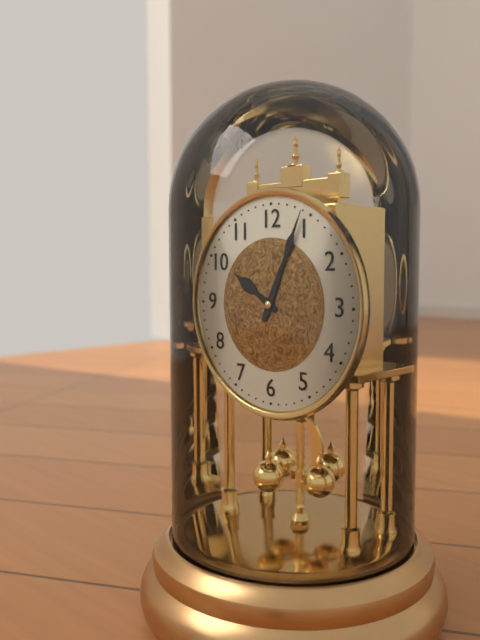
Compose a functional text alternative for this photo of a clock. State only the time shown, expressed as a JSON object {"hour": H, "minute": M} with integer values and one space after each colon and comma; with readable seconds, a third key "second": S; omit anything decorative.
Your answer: {"hour": 10, "minute": 4}
